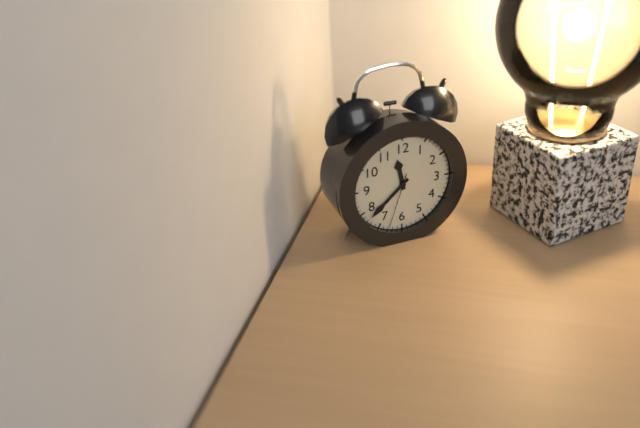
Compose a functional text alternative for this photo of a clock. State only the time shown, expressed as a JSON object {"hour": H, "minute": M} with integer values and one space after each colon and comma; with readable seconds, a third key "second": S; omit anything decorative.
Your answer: {"hour": 11, "minute": 38, "second": 33}
